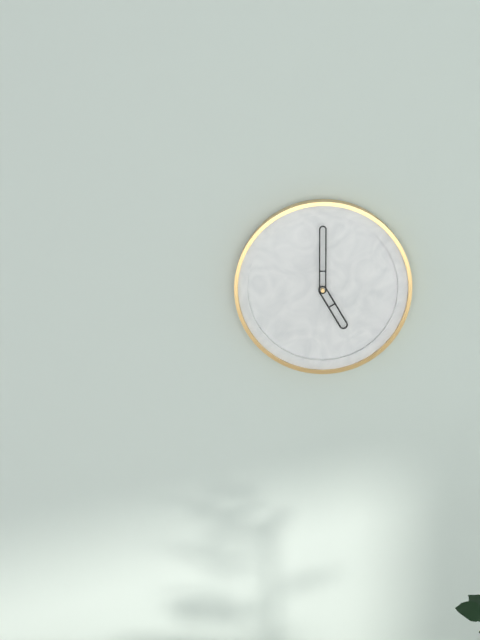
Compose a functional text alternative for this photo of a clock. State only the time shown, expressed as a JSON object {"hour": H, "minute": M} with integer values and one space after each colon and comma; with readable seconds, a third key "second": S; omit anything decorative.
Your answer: {"hour": 5, "minute": 0}
